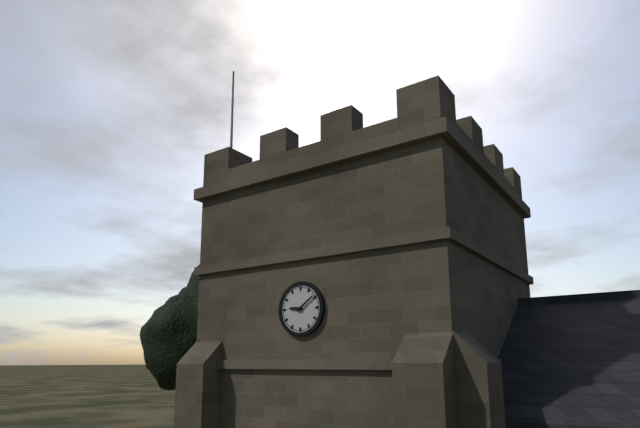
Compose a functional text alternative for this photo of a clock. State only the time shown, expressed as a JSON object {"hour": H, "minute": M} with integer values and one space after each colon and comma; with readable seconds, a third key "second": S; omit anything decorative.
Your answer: {"hour": 9, "minute": 9}
